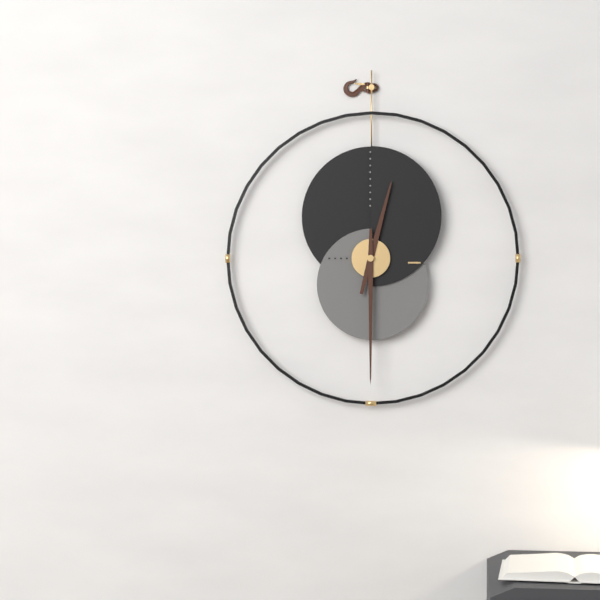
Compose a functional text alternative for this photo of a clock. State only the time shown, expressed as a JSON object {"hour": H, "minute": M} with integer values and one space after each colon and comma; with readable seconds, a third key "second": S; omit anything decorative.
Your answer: {"hour": 12, "minute": 30}
